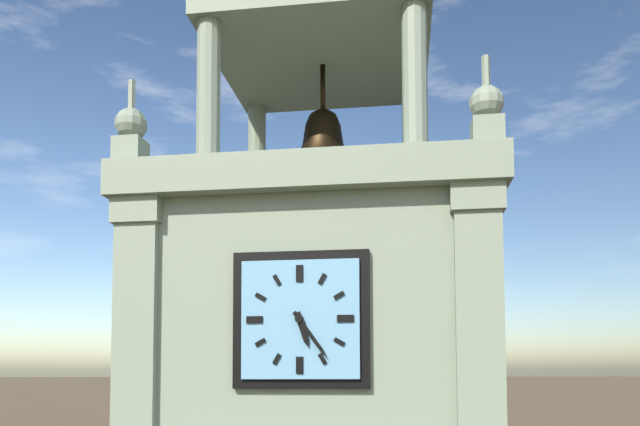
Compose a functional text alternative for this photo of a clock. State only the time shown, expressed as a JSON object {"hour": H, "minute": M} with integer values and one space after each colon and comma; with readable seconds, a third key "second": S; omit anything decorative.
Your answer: {"hour": 5, "minute": 24}
